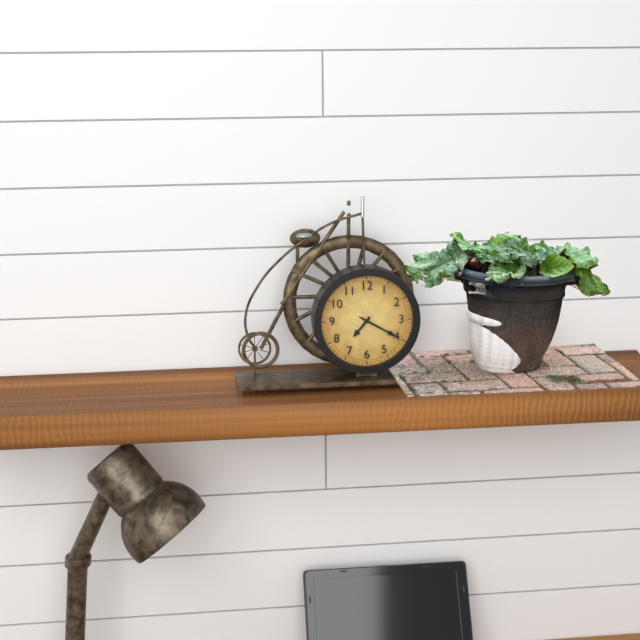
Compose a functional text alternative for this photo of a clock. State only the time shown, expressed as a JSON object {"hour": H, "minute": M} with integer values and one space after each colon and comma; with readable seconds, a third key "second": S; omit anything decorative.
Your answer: {"hour": 7, "minute": 20}
